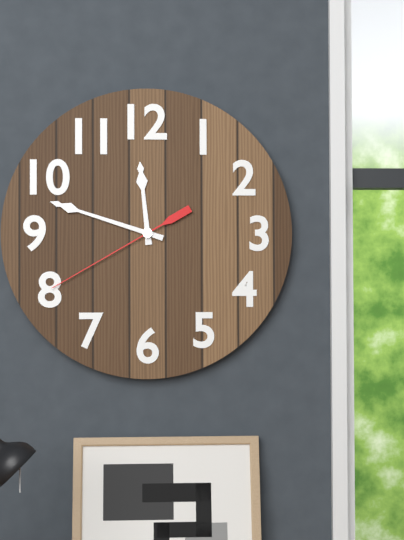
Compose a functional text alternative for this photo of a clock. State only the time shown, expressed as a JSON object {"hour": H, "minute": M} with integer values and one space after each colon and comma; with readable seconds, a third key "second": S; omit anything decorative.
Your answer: {"hour": 11, "minute": 48, "second": 40}
